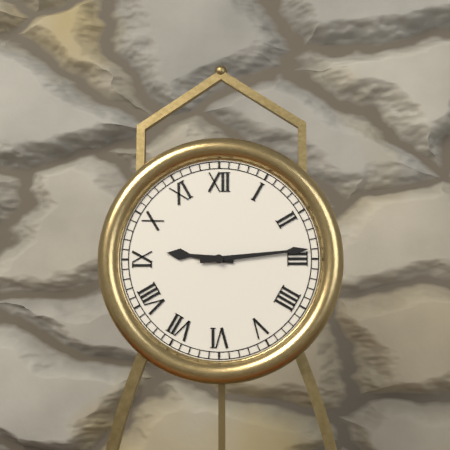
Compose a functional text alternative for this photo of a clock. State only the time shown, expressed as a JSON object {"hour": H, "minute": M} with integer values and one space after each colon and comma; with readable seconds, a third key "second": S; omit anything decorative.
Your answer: {"hour": 9, "minute": 14}
